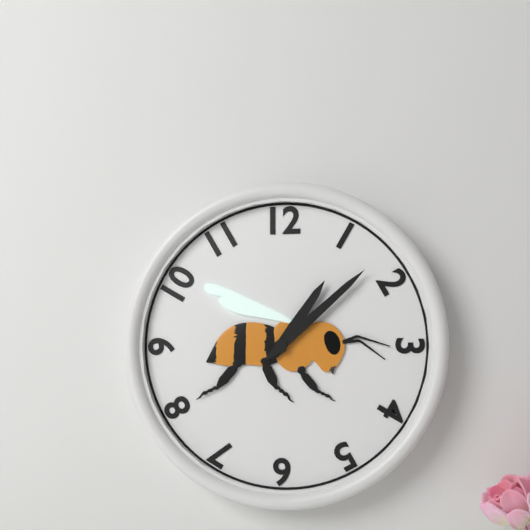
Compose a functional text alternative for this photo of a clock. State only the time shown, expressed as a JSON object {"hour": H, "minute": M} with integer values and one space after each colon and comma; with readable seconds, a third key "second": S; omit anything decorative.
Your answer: {"hour": 1, "minute": 8}
